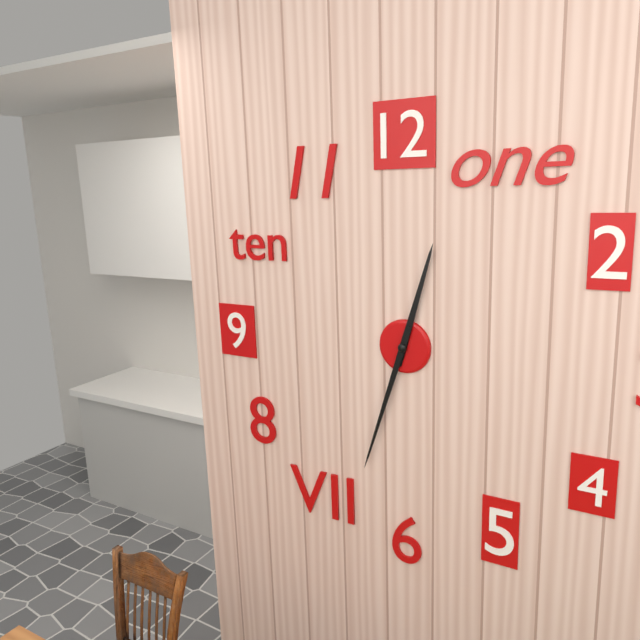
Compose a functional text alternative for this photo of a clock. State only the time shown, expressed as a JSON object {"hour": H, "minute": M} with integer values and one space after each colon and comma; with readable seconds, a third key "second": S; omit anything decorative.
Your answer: {"hour": 12, "minute": 33}
